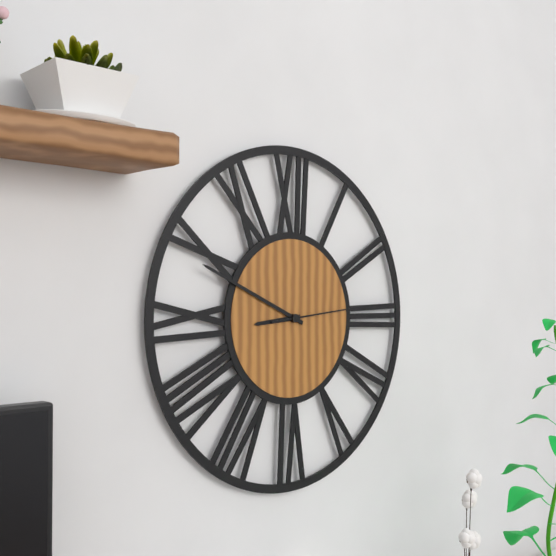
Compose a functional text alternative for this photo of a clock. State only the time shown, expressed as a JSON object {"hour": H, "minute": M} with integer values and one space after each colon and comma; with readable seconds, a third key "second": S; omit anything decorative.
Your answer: {"hour": 8, "minute": 49, "second": 14}
